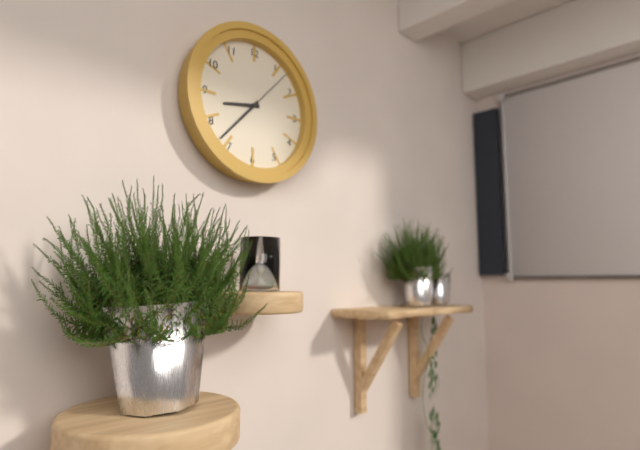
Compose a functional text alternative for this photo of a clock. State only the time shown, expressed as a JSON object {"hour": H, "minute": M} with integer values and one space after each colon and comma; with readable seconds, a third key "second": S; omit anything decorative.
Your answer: {"hour": 8, "minute": 37, "second": 7}
